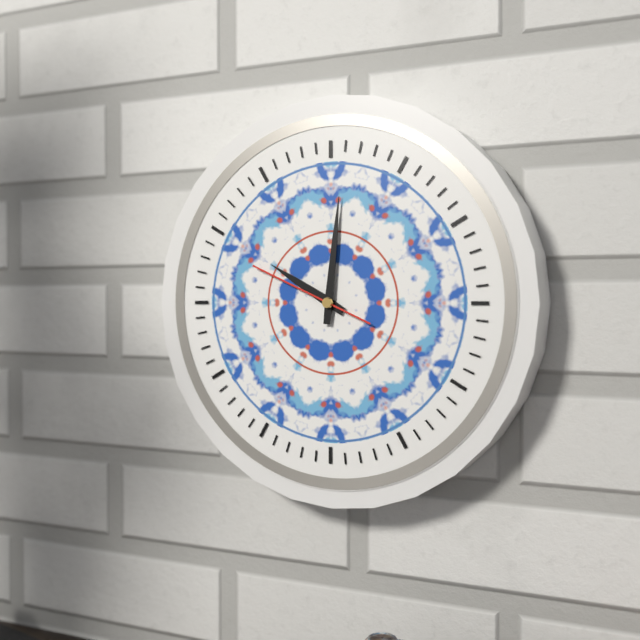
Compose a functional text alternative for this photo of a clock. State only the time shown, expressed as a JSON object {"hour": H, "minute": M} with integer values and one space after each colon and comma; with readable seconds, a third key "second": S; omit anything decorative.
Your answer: {"hour": 10, "minute": 1, "second": 49}
